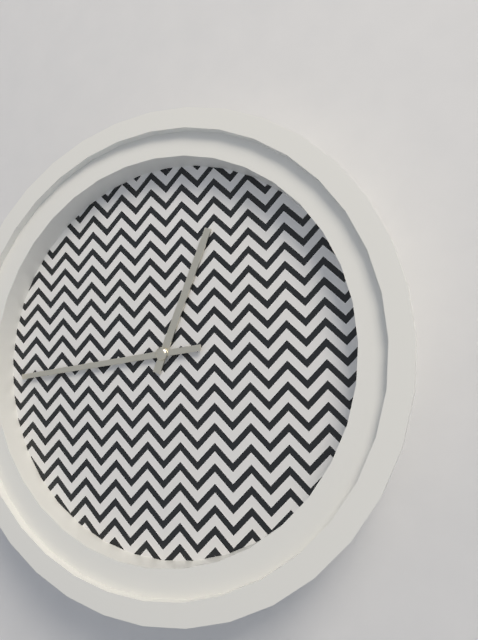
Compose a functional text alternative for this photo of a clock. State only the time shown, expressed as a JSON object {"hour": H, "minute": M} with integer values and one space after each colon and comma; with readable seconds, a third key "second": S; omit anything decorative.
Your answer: {"hour": 12, "minute": 44}
